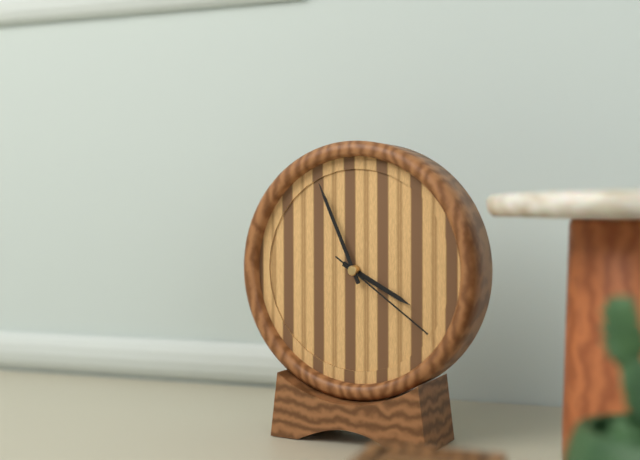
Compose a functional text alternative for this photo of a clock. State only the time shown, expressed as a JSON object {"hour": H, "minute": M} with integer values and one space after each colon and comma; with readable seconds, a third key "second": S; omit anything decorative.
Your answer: {"hour": 3, "minute": 56, "second": 21}
